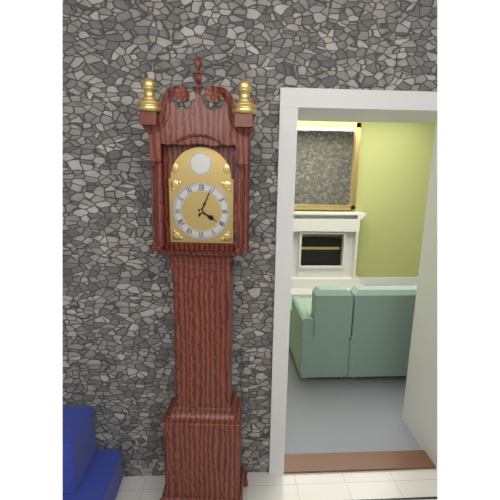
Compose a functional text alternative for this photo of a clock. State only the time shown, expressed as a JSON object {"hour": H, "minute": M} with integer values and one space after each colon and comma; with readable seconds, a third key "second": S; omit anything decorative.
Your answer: {"hour": 4, "minute": 4}
